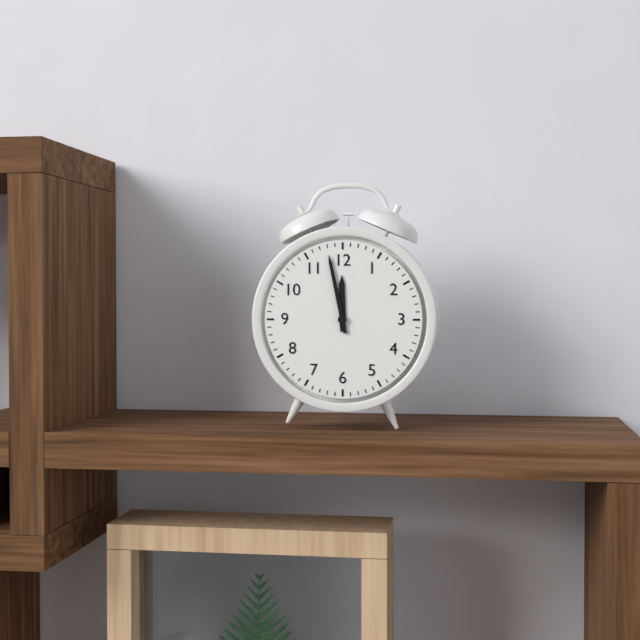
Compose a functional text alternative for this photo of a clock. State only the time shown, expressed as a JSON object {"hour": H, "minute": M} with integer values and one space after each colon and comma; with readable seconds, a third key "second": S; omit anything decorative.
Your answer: {"hour": 11, "minute": 58}
